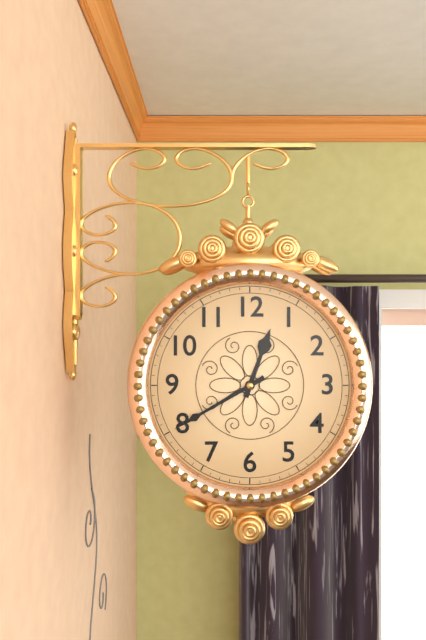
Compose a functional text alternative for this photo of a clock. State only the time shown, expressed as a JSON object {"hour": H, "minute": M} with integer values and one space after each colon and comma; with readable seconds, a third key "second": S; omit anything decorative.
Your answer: {"hour": 12, "minute": 40}
